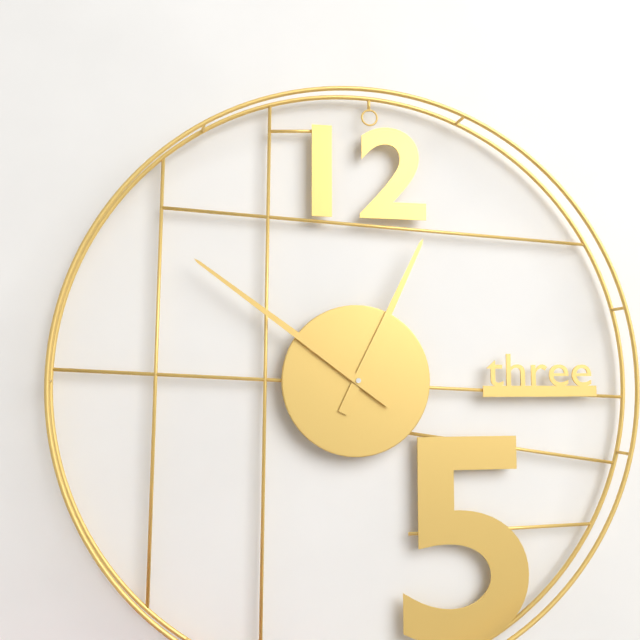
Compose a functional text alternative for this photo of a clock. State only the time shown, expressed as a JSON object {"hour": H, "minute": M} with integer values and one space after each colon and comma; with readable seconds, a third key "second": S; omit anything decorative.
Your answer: {"hour": 12, "minute": 51}
